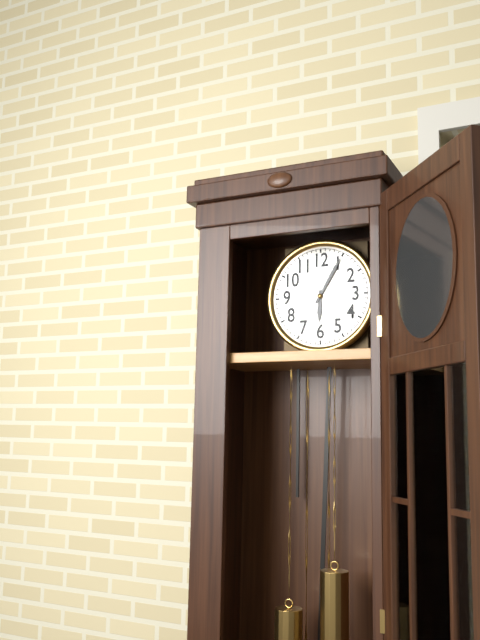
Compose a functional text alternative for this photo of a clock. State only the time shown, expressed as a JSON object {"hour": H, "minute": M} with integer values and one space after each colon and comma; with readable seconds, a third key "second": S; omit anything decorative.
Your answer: {"hour": 6, "minute": 5}
